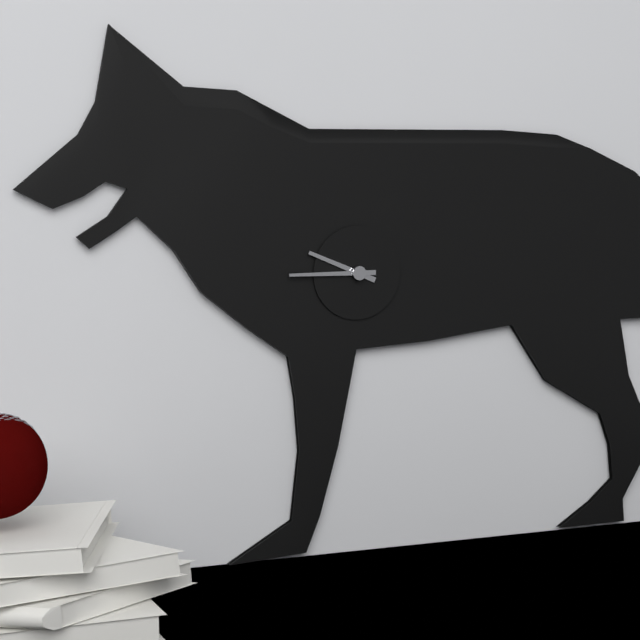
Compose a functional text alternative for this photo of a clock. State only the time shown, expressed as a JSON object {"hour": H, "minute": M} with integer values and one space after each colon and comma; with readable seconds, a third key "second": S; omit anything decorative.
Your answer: {"hour": 9, "minute": 45}
